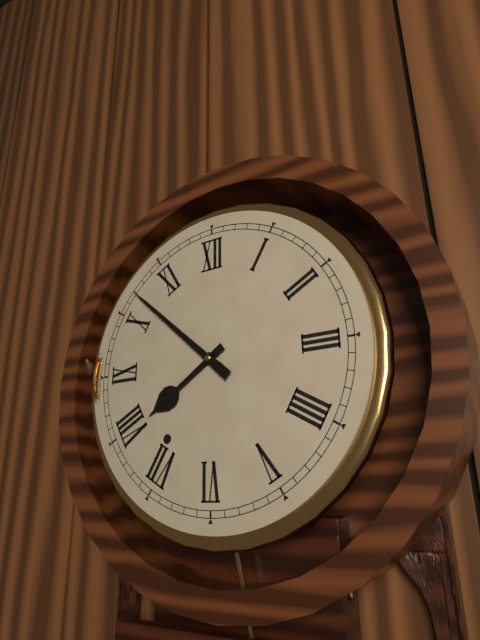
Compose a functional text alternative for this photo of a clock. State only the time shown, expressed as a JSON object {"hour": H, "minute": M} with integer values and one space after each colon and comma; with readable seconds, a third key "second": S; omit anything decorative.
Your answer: {"hour": 7, "minute": 52}
